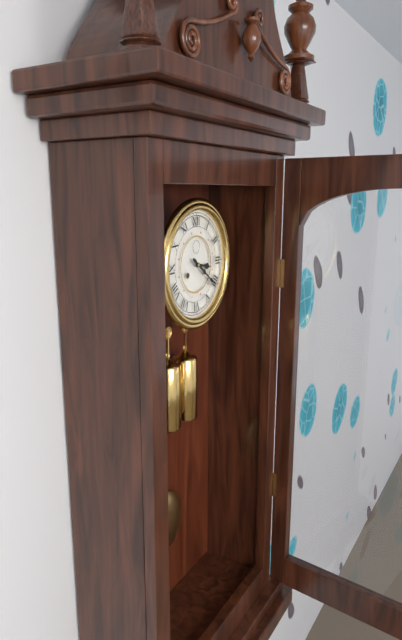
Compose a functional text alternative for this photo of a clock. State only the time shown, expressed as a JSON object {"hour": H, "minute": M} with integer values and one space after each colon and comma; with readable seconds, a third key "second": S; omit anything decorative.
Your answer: {"hour": 3, "minute": 21}
